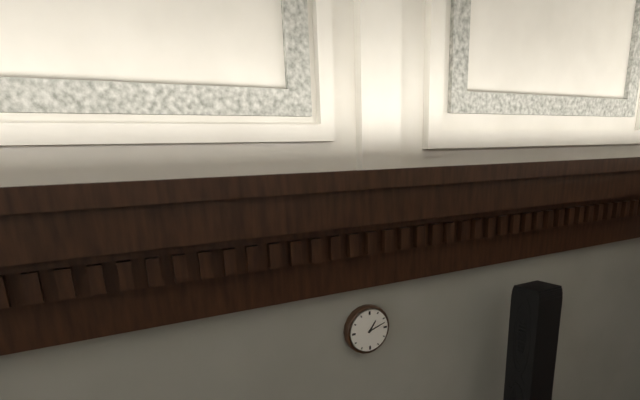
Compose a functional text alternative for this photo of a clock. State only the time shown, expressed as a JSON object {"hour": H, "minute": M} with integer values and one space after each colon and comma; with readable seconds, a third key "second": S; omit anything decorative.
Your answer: {"hour": 1, "minute": 12}
